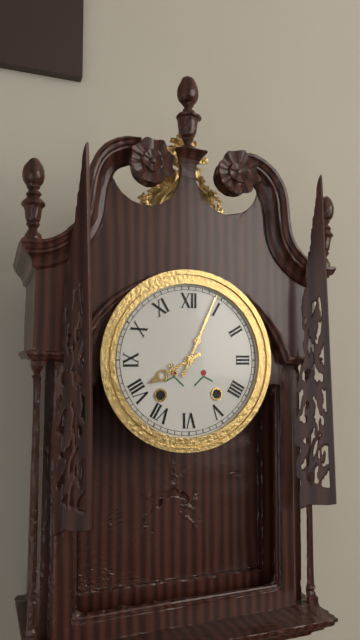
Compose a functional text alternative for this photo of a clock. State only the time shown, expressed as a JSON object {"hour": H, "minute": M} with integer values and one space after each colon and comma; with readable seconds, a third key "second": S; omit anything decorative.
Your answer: {"hour": 8, "minute": 4}
